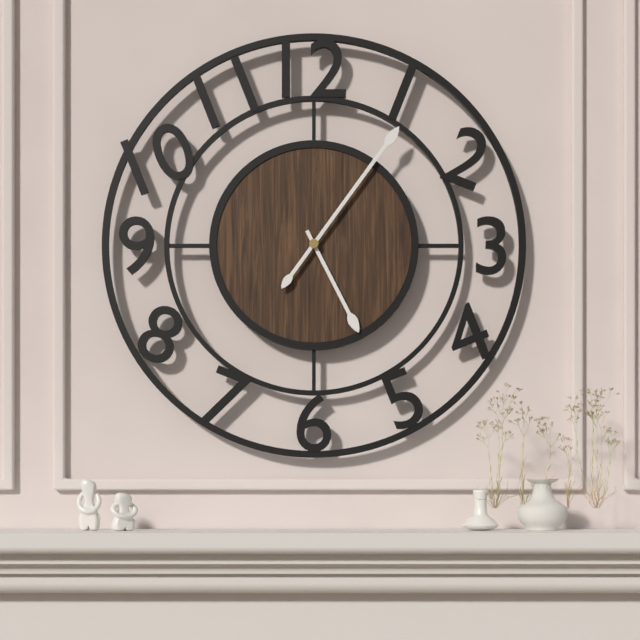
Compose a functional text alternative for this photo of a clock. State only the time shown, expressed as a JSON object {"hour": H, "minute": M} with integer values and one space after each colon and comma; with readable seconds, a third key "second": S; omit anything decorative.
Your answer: {"hour": 5, "minute": 6}
